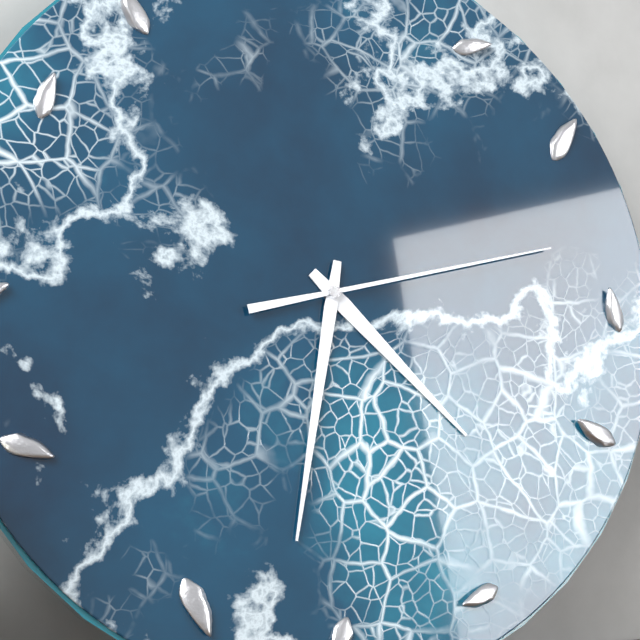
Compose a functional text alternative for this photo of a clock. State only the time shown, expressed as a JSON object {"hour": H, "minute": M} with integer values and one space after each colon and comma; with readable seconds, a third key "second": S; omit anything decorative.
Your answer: {"hour": 4, "minute": 32, "second": 13}
